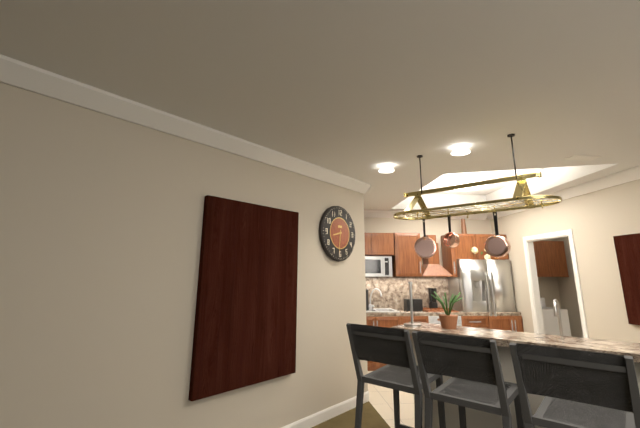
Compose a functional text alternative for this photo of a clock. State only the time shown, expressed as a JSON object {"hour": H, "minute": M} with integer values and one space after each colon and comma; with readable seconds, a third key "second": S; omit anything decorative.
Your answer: {"hour": 8, "minute": 31}
